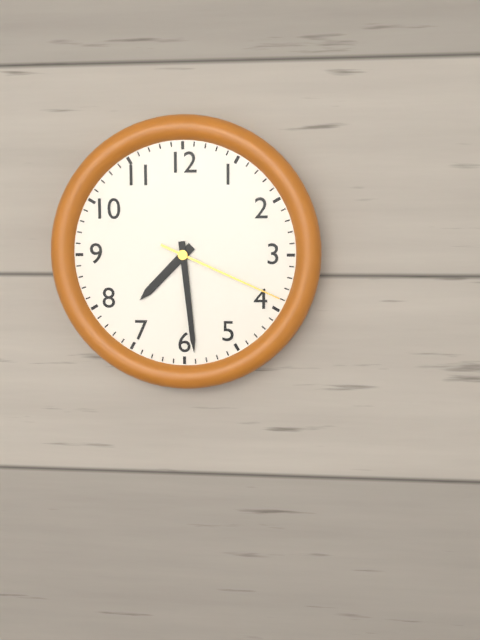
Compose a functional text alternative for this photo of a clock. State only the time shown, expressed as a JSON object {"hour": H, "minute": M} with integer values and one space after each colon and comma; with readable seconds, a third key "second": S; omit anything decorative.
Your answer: {"hour": 7, "minute": 29, "second": 19}
